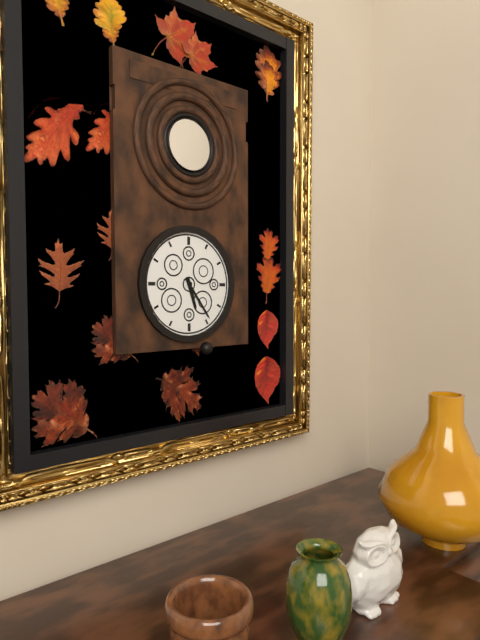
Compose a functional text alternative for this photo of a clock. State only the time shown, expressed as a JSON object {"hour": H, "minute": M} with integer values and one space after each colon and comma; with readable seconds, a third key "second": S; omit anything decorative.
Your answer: {"hour": 5, "minute": 24}
